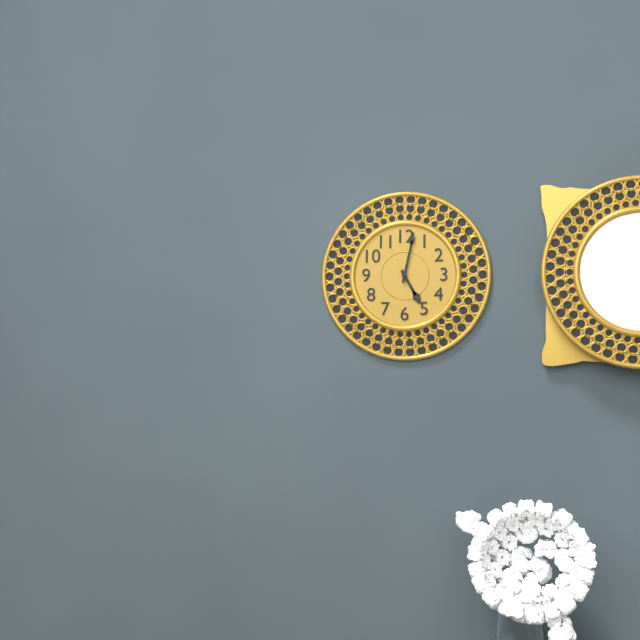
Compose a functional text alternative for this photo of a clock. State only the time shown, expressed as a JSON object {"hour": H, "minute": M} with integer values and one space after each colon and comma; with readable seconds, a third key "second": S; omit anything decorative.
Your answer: {"hour": 5, "minute": 2}
